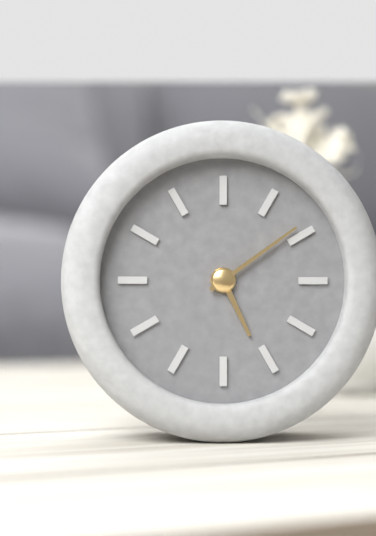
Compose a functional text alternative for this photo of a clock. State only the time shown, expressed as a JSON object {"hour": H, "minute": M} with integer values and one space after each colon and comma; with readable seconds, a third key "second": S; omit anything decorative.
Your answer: {"hour": 5, "minute": 9}
